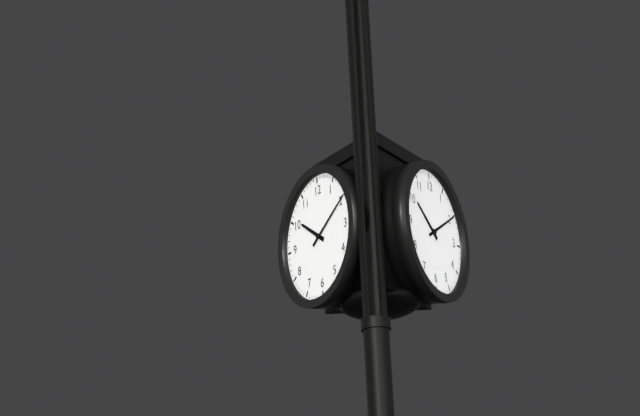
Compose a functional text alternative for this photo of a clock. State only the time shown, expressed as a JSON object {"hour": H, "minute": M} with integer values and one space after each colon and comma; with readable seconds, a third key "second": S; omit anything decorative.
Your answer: {"hour": 10, "minute": 10}
